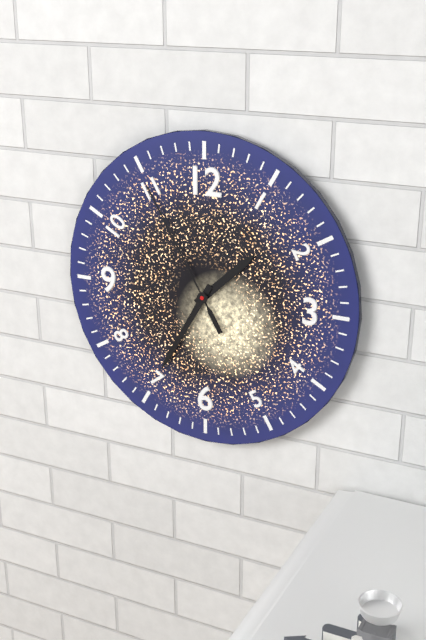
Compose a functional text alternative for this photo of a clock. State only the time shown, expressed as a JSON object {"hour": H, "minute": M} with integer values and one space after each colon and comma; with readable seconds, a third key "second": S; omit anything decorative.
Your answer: {"hour": 1, "minute": 35, "second": 55}
